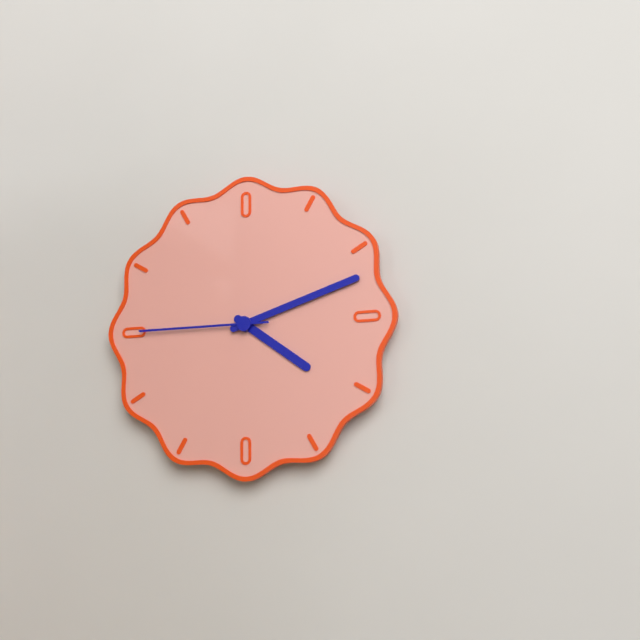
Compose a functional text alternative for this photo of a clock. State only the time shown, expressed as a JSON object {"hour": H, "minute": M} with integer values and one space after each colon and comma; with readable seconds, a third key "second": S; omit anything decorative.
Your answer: {"hour": 4, "minute": 12, "second": 45}
